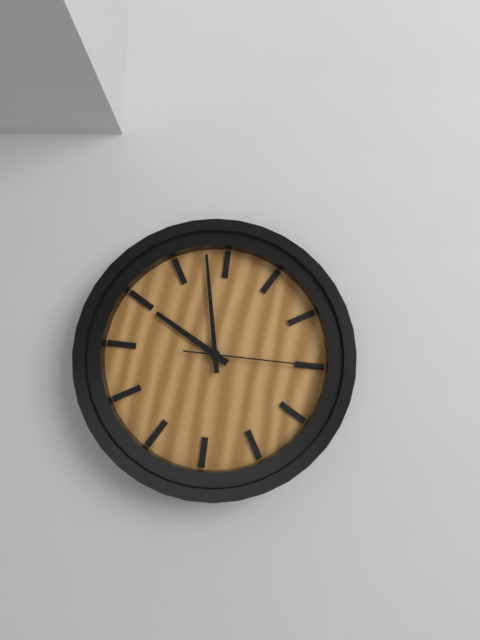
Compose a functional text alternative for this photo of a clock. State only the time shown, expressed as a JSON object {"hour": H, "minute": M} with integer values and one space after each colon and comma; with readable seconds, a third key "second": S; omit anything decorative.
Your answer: {"hour": 9, "minute": 58, "second": 15}
